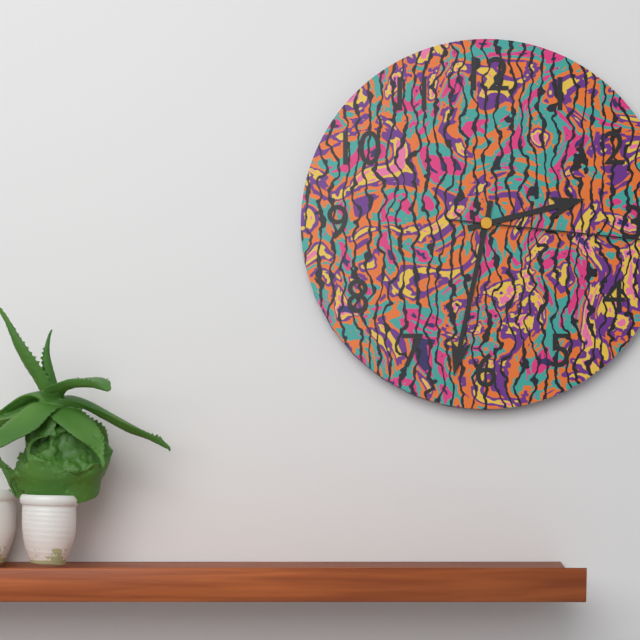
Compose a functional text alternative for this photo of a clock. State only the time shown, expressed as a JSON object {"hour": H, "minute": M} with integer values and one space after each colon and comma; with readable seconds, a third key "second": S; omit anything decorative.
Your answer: {"hour": 2, "minute": 32}
